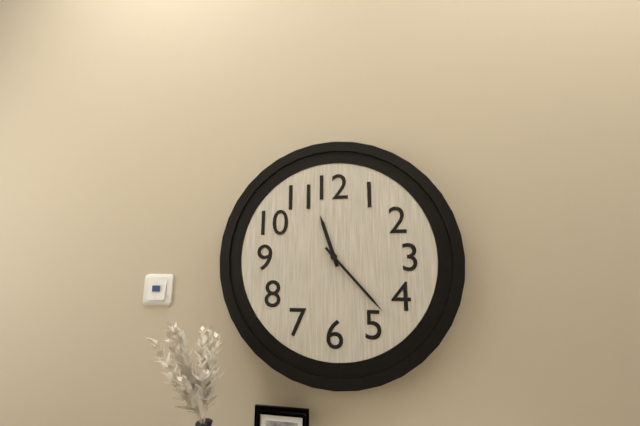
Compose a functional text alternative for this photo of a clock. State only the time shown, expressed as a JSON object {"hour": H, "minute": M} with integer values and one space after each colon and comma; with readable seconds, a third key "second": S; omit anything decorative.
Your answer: {"hour": 11, "minute": 23}
